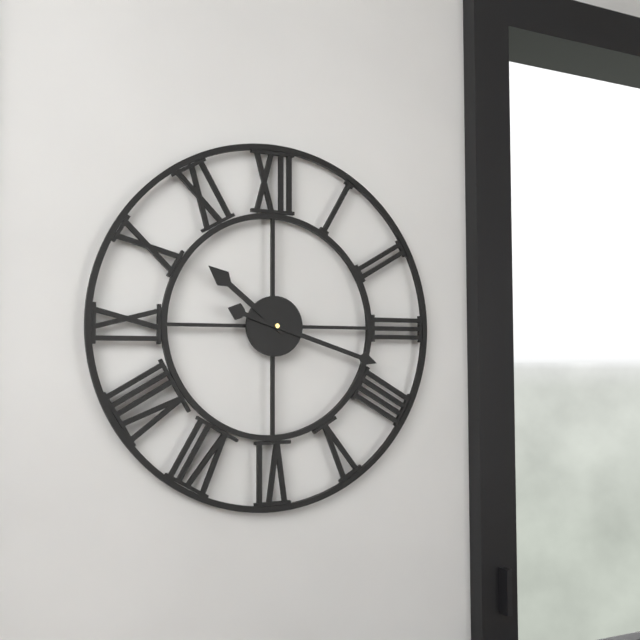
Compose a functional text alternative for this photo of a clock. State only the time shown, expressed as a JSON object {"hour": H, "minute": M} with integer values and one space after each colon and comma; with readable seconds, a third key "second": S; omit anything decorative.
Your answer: {"hour": 10, "minute": 18}
